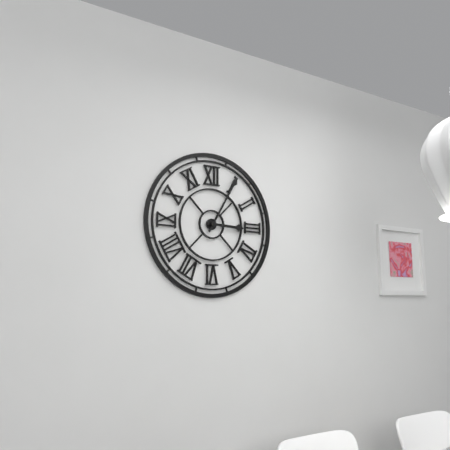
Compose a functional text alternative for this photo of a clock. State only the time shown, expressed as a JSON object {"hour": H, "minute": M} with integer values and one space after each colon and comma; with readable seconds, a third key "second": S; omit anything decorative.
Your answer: {"hour": 3, "minute": 5}
